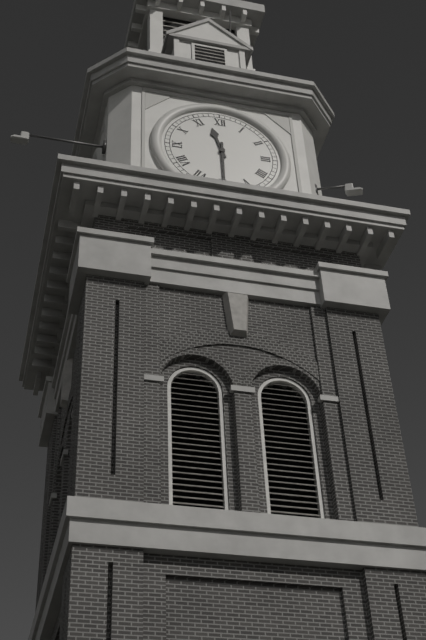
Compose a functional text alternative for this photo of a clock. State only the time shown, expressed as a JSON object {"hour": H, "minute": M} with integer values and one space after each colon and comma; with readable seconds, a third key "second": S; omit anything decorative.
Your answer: {"hour": 11, "minute": 30}
